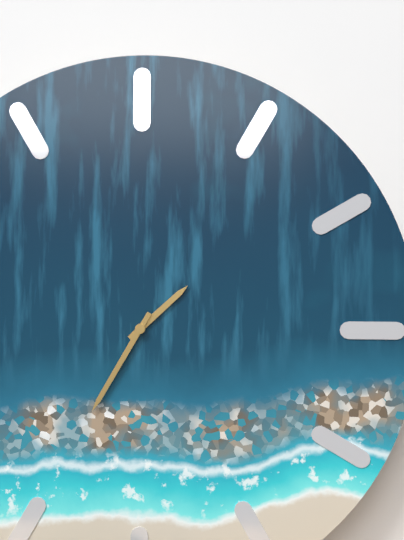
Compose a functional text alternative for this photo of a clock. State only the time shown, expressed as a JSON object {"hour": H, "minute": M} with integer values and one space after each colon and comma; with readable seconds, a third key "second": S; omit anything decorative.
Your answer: {"hour": 1, "minute": 35}
